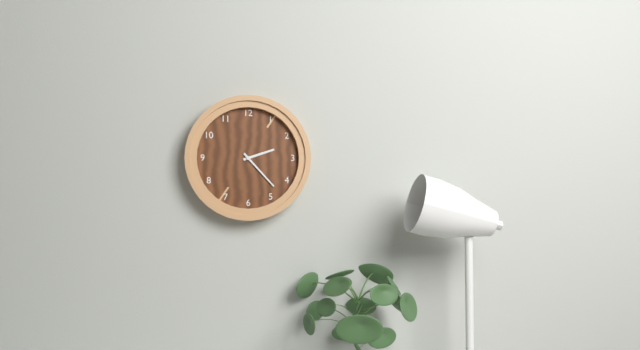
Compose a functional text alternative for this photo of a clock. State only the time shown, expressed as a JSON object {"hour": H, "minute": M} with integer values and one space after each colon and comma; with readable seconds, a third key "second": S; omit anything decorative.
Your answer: {"hour": 2, "minute": 23}
